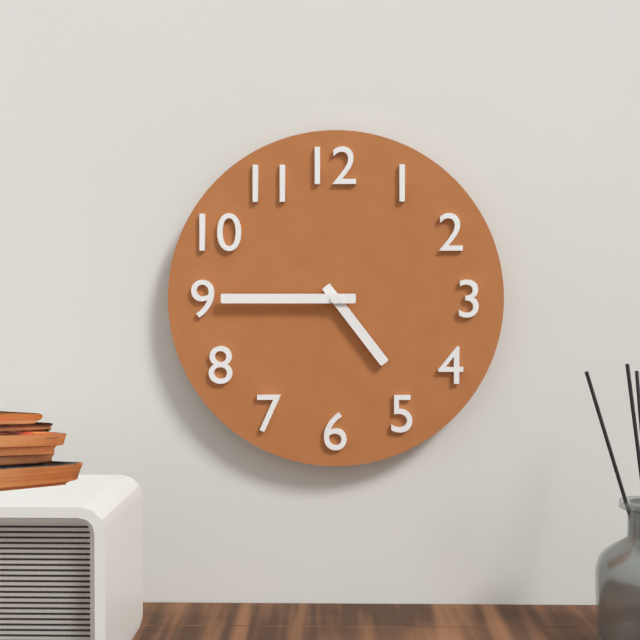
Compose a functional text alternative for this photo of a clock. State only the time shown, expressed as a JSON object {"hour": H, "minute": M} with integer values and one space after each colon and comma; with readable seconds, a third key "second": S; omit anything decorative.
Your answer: {"hour": 4, "minute": 45}
